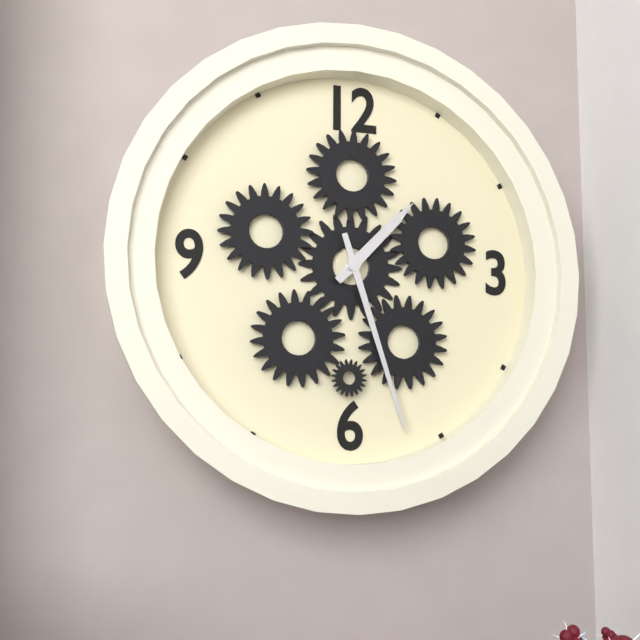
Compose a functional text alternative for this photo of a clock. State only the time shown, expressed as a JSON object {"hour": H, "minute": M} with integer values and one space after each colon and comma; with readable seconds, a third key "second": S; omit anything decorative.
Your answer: {"hour": 1, "minute": 27}
